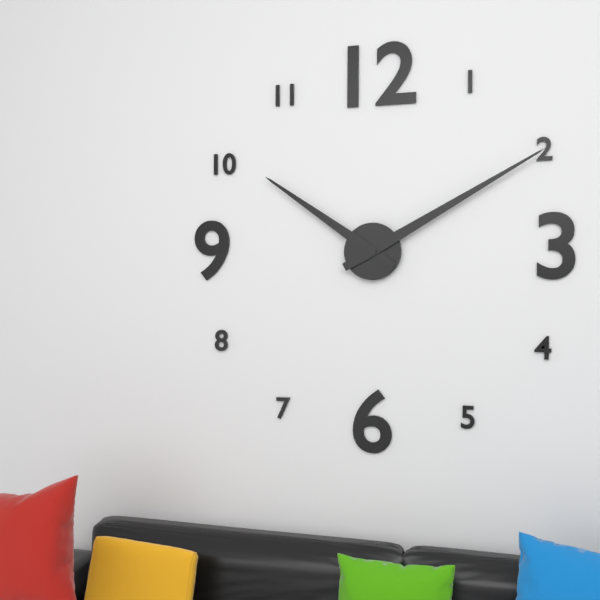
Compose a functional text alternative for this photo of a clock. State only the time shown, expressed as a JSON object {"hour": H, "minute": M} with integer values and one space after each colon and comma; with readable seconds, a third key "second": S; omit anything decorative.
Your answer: {"hour": 10, "minute": 10}
